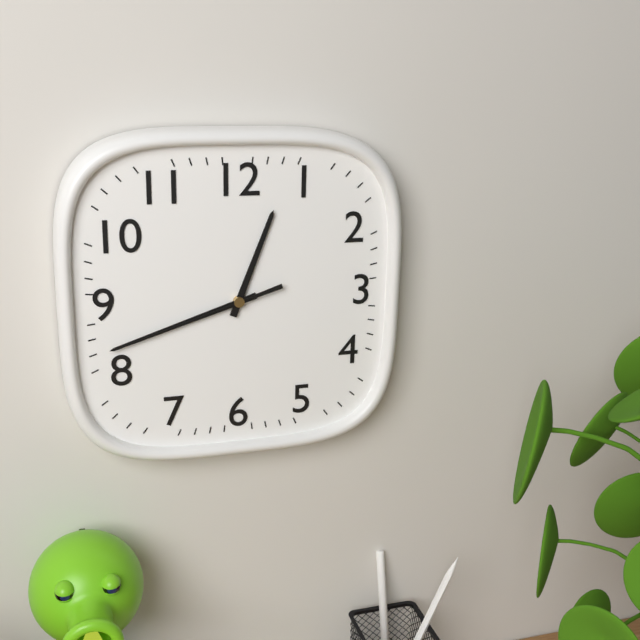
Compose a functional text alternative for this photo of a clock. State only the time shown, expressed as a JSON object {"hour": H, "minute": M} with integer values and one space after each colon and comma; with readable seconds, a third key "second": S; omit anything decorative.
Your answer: {"hour": 12, "minute": 42, "second": 42}
